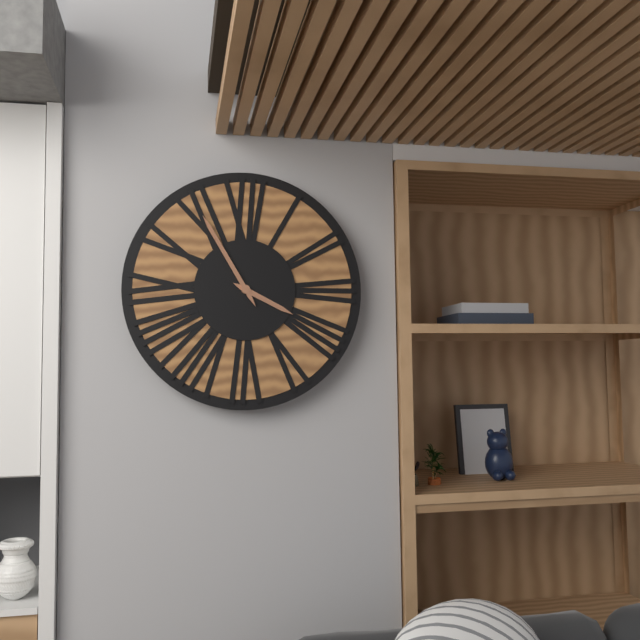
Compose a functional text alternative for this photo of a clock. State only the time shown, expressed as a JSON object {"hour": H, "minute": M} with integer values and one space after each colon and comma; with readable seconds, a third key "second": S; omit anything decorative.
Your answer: {"hour": 3, "minute": 55}
